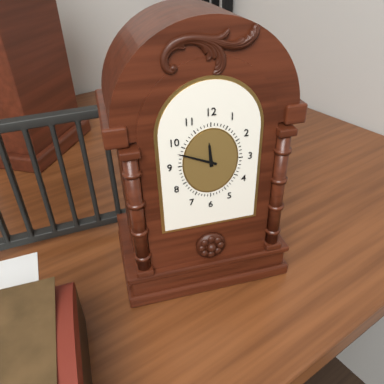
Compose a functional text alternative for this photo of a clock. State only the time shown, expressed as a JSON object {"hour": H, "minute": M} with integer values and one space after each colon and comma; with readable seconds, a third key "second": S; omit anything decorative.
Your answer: {"hour": 11, "minute": 49}
